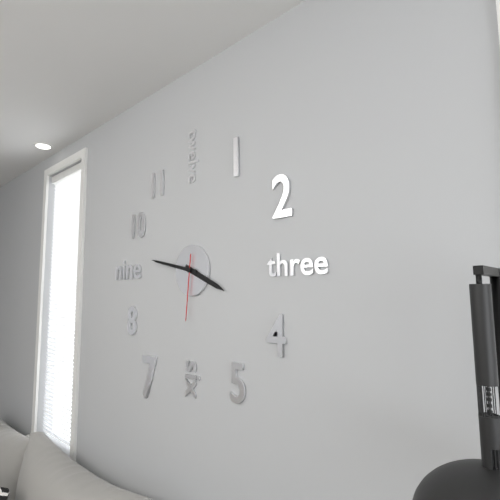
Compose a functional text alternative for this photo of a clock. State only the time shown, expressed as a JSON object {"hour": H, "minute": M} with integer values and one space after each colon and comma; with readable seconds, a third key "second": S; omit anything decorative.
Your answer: {"hour": 3, "minute": 47, "second": 31}
